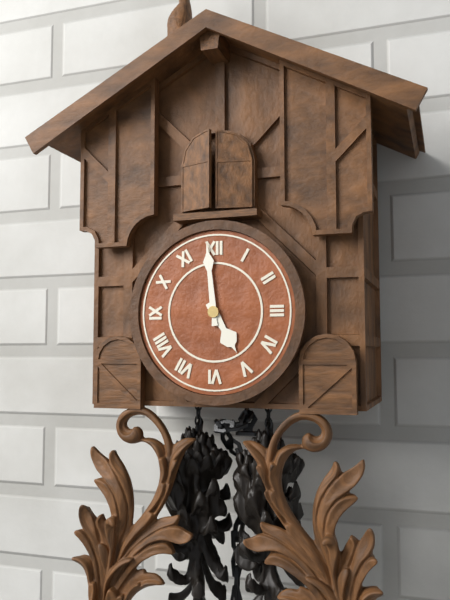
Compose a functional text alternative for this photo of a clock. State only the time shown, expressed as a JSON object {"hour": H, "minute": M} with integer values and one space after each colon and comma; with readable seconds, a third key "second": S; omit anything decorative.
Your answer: {"hour": 4, "minute": 59}
